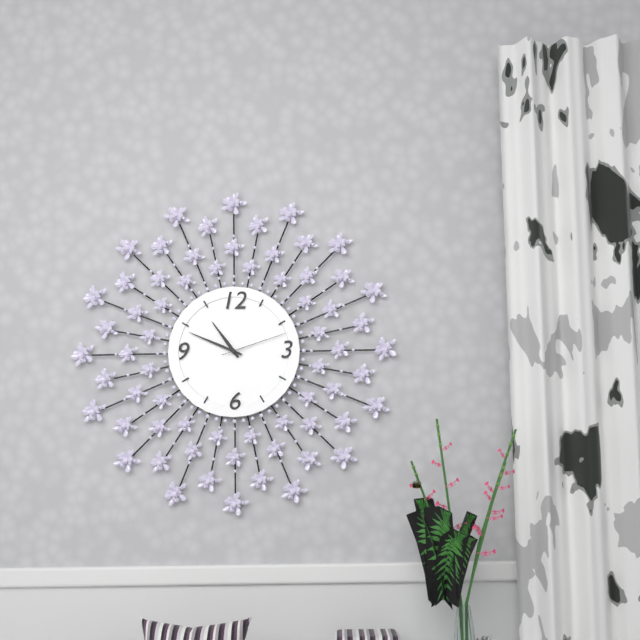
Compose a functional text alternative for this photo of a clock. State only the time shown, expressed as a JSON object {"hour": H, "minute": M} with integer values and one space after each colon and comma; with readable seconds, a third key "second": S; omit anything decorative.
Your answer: {"hour": 10, "minute": 49, "second": 12}
